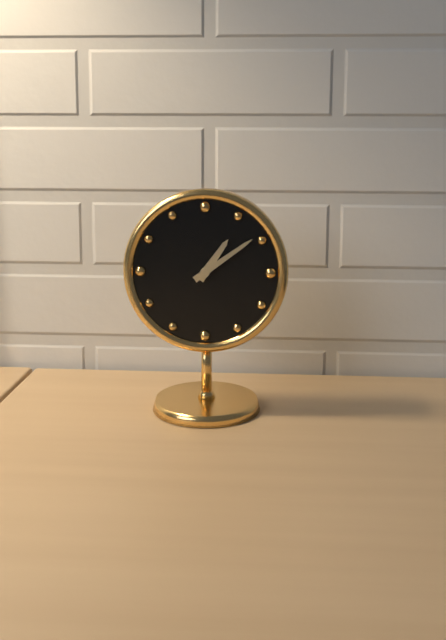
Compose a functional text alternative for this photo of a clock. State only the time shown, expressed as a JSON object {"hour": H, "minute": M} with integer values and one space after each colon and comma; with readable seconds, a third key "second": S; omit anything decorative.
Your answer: {"hour": 1, "minute": 9}
